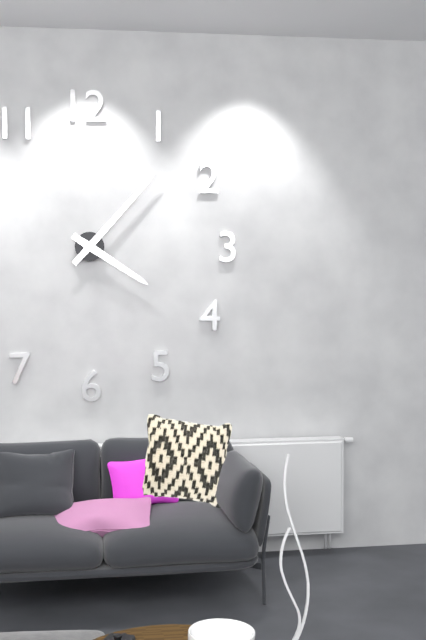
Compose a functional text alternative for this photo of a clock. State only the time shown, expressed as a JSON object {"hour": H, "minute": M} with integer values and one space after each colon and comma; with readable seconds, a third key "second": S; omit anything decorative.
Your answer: {"hour": 4, "minute": 7}
